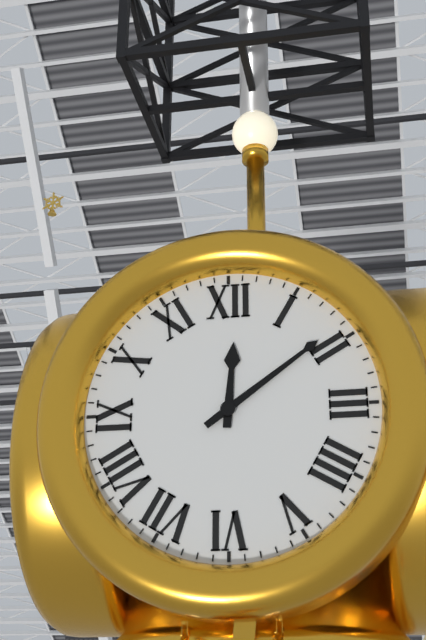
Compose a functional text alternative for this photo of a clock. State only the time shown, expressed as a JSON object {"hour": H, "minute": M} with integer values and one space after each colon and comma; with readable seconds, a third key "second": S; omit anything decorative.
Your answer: {"hour": 12, "minute": 9}
